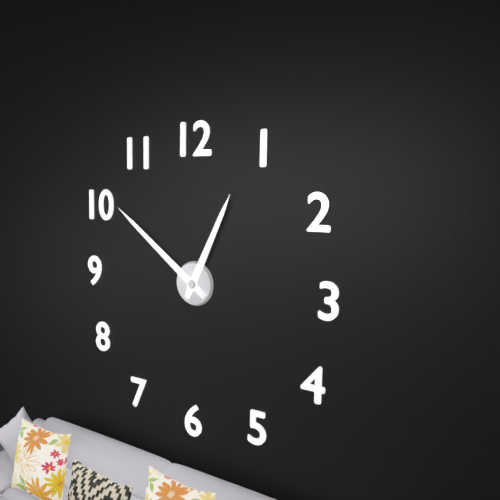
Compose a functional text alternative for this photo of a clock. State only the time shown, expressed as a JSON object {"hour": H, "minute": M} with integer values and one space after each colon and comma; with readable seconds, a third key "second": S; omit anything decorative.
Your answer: {"hour": 12, "minute": 51}
